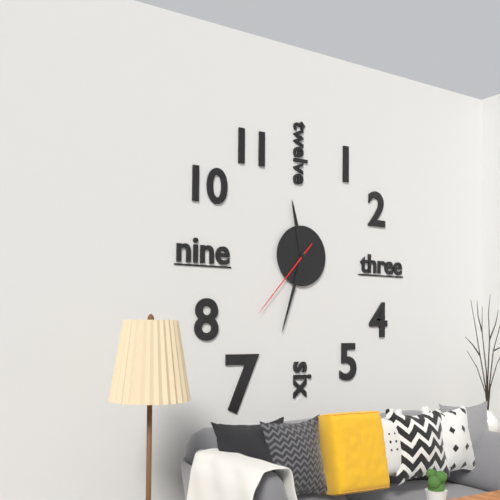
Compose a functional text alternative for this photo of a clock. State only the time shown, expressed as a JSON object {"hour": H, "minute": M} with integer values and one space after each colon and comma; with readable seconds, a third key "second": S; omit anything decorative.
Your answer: {"hour": 11, "minute": 33, "second": 37}
